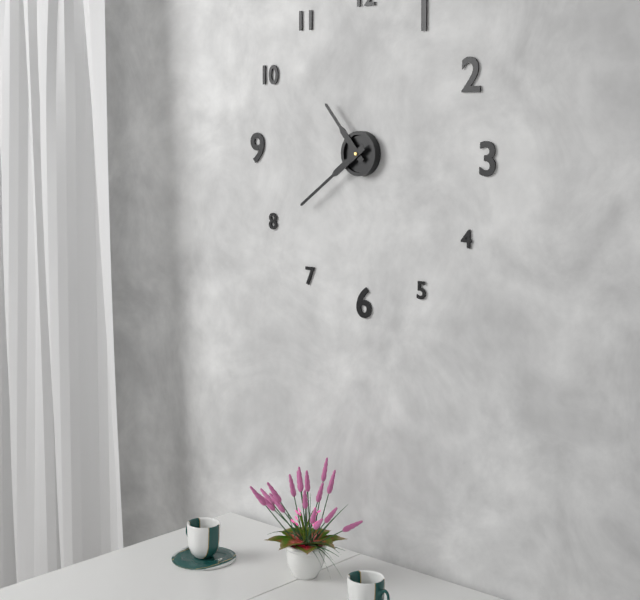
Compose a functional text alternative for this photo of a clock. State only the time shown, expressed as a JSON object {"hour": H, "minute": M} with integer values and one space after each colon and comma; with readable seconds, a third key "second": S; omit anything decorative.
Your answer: {"hour": 10, "minute": 39}
